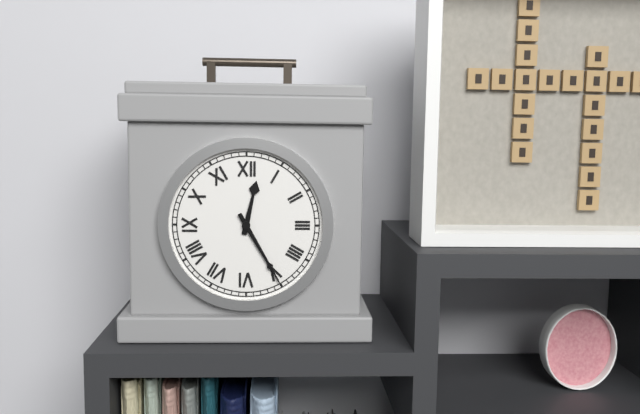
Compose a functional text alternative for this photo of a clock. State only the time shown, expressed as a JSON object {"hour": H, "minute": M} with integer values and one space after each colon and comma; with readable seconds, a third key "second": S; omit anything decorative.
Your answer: {"hour": 12, "minute": 25}
